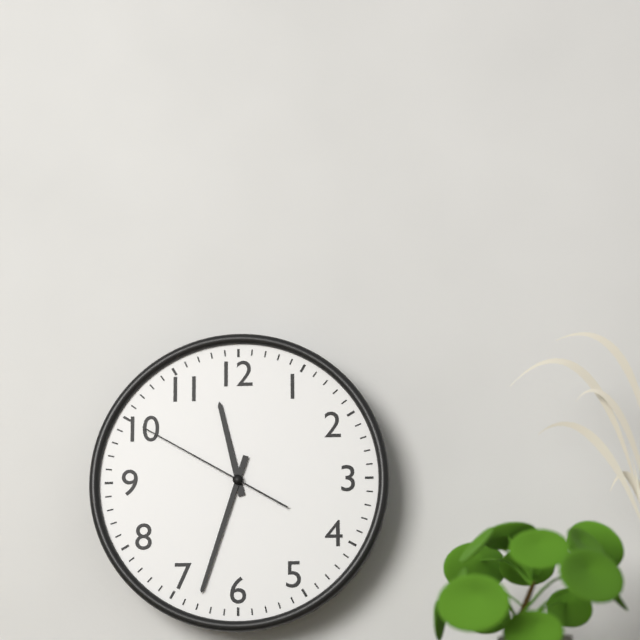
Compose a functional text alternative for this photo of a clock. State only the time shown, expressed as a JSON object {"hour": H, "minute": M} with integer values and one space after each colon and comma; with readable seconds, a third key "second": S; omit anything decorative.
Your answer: {"hour": 11, "minute": 33, "second": 50}
